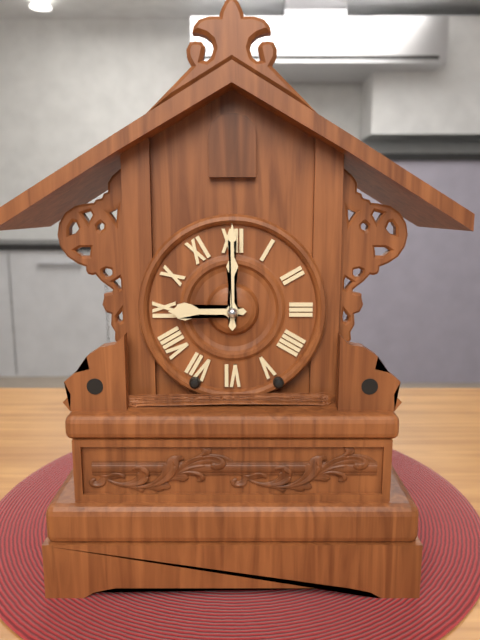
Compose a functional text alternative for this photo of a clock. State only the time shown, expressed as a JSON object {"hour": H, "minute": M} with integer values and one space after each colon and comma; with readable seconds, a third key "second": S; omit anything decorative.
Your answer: {"hour": 9, "minute": 0}
